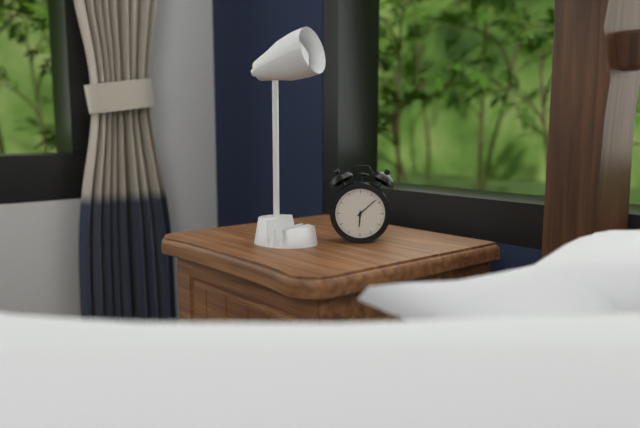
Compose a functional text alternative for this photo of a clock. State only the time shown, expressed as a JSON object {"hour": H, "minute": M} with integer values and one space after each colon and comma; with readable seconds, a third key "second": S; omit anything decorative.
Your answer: {"hour": 6, "minute": 8}
